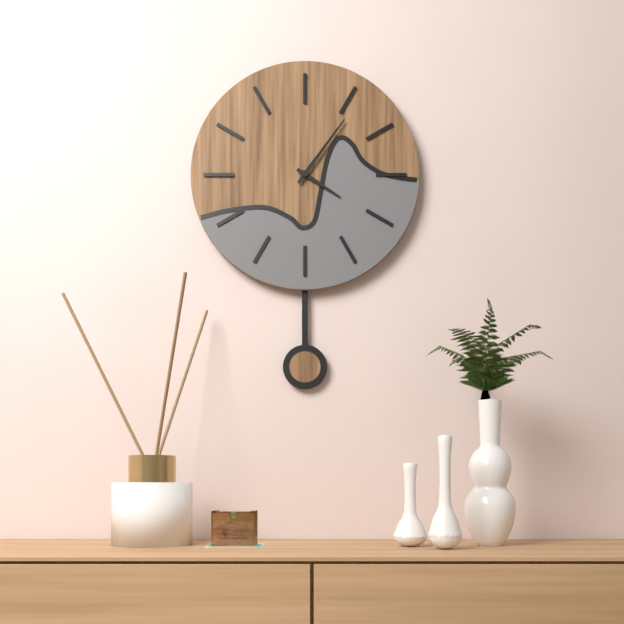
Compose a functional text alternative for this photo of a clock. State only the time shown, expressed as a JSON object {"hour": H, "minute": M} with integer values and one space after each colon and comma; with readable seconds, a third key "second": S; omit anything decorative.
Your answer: {"hour": 4, "minute": 6}
